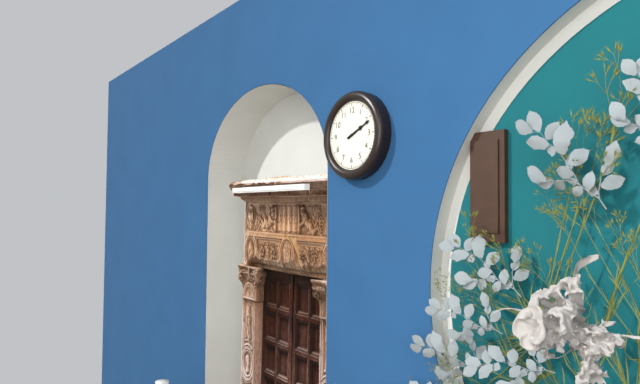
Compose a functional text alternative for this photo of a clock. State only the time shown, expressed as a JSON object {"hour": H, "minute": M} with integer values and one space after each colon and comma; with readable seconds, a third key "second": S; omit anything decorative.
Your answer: {"hour": 2, "minute": 11}
